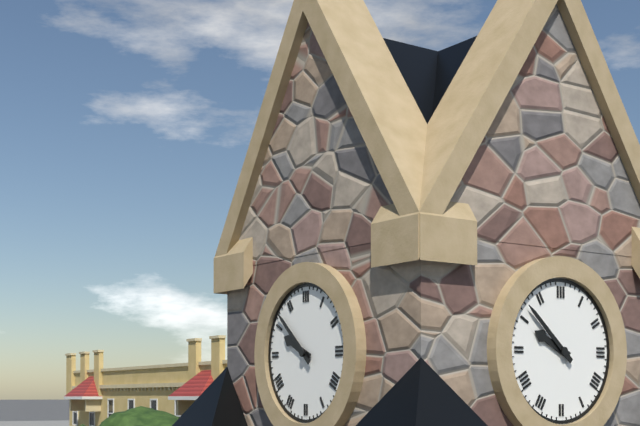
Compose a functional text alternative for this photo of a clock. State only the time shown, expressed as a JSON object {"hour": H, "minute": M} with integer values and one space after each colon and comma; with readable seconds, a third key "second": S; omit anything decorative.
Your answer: {"hour": 9, "minute": 52}
